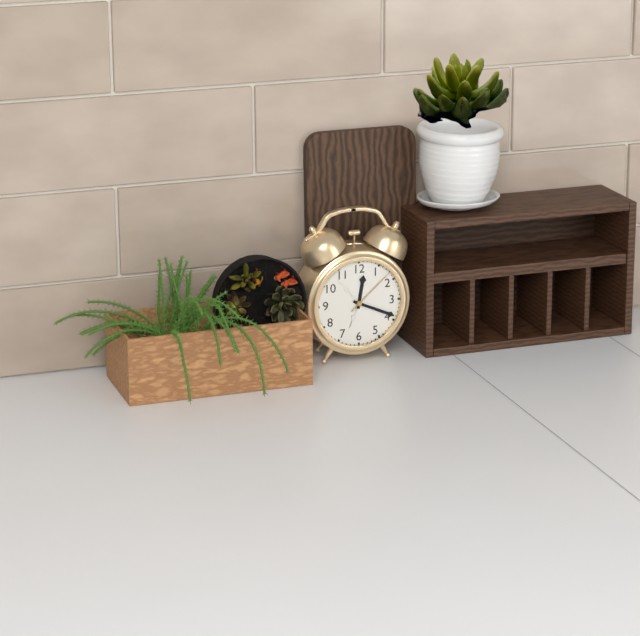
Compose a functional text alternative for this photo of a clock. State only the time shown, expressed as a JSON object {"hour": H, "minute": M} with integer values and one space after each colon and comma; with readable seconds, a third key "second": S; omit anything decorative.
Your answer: {"hour": 12, "minute": 19, "second": 8}
